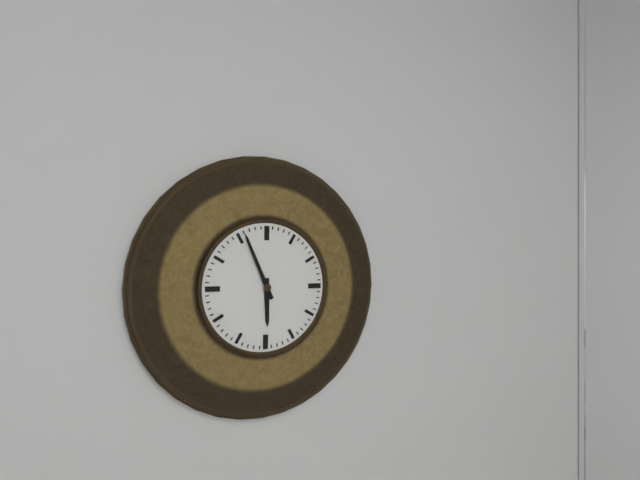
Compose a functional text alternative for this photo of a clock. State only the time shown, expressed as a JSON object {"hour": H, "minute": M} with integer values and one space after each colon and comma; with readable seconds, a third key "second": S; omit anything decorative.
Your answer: {"hour": 5, "minute": 56}
